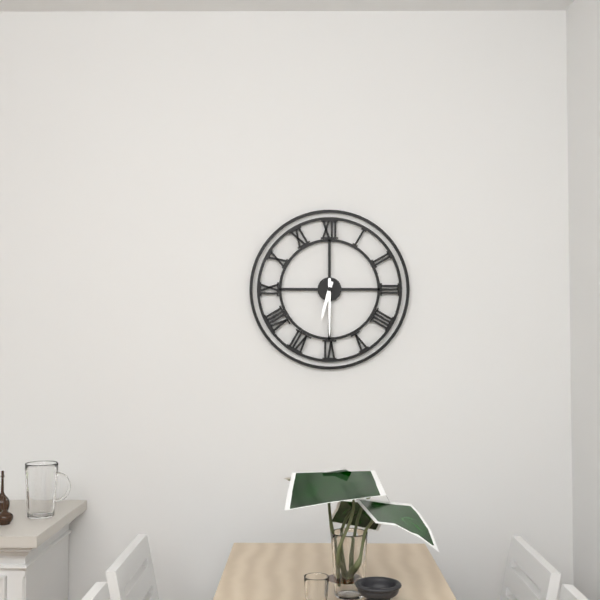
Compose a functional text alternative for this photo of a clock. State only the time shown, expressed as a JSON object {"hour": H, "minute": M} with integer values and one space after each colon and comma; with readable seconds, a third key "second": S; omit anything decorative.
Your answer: {"hour": 6, "minute": 30}
